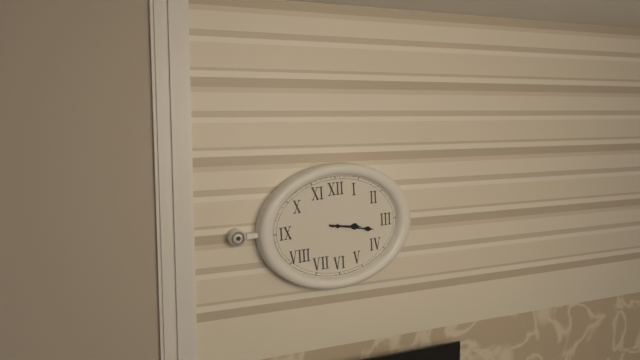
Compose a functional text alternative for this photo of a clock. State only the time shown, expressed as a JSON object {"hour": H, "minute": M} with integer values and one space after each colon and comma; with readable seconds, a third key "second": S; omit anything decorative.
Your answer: {"hour": 3, "minute": 17}
